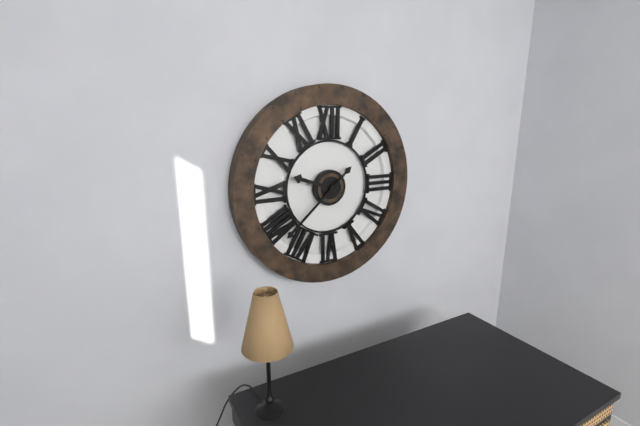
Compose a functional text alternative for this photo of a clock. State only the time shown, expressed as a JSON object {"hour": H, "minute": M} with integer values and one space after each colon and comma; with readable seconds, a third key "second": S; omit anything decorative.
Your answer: {"hour": 9, "minute": 38}
